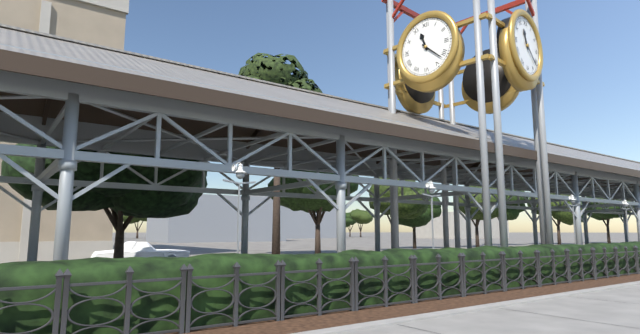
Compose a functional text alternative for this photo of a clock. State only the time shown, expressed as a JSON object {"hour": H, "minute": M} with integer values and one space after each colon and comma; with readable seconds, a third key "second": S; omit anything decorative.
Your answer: {"hour": 11, "minute": 22}
